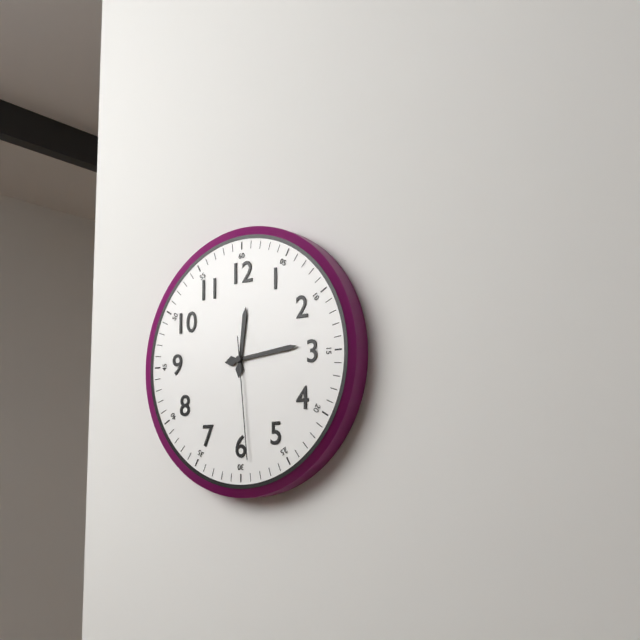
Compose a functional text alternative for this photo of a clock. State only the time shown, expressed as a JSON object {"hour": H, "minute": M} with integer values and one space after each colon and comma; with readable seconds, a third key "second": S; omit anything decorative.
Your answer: {"hour": 12, "minute": 14, "second": 29}
